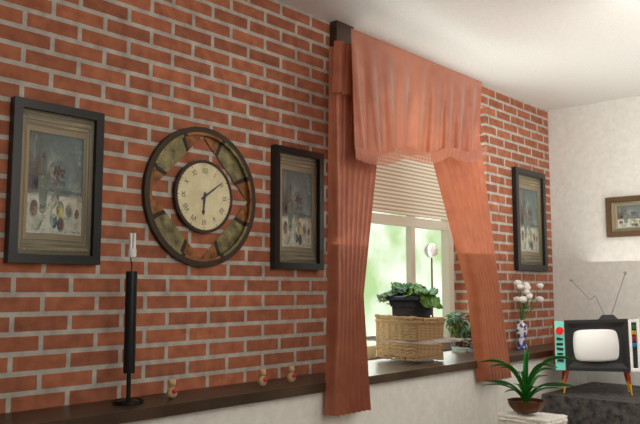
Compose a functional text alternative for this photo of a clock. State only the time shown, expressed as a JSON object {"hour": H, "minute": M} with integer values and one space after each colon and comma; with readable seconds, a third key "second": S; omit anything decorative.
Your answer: {"hour": 6, "minute": 9}
